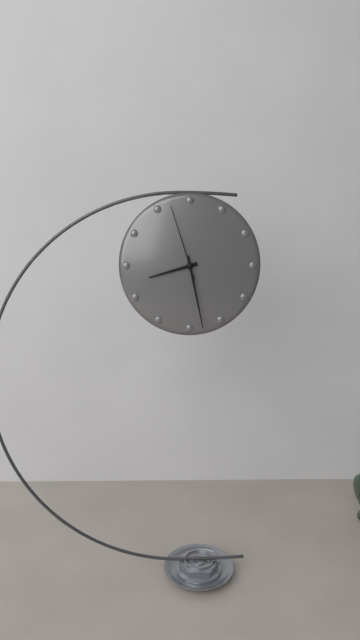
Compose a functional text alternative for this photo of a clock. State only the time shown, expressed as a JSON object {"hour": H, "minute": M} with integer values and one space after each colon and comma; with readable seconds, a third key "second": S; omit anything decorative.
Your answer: {"hour": 8, "minute": 28, "second": 57}
